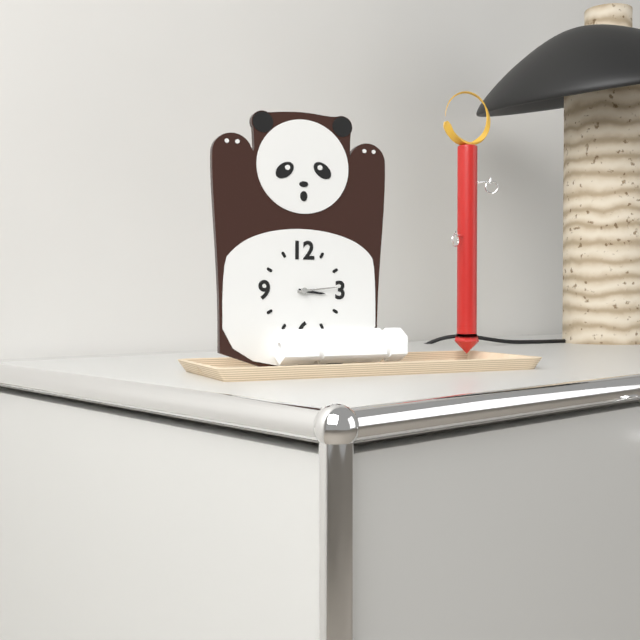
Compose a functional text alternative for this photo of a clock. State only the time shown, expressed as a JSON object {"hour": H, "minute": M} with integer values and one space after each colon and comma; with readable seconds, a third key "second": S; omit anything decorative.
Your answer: {"hour": 3, "minute": 14}
